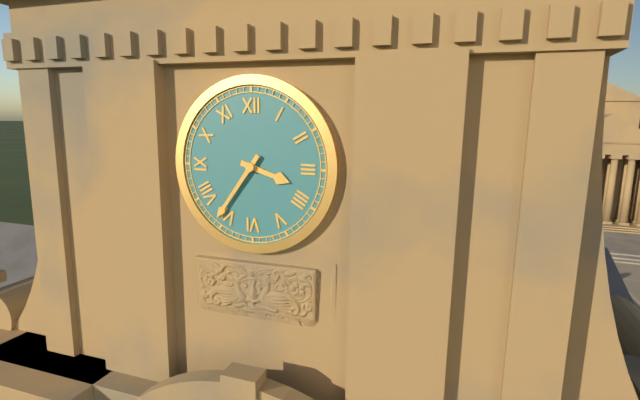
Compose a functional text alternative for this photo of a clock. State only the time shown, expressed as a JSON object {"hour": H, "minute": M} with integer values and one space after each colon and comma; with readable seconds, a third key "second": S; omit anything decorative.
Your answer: {"hour": 3, "minute": 36}
